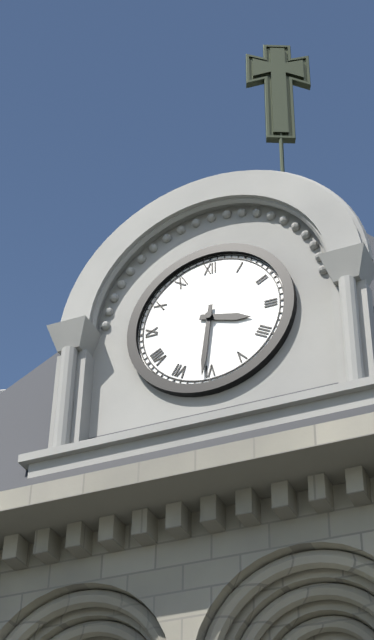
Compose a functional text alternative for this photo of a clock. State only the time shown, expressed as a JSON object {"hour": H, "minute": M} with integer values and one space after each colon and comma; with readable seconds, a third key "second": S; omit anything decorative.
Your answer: {"hour": 3, "minute": 31}
